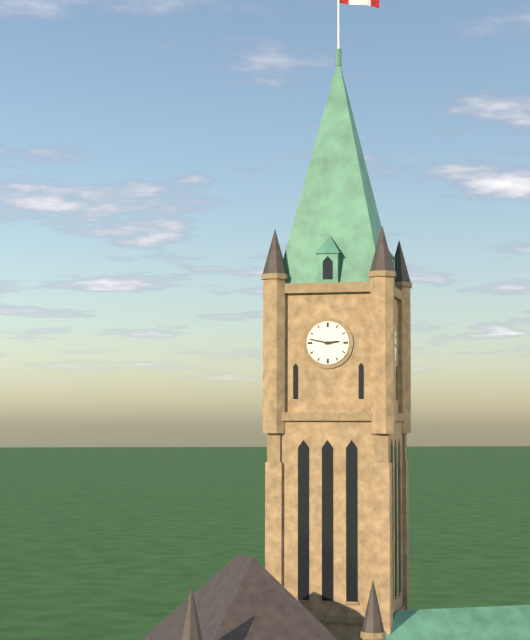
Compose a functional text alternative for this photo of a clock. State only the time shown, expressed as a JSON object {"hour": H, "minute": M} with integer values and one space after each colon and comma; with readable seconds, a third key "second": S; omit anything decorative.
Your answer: {"hour": 2, "minute": 47}
